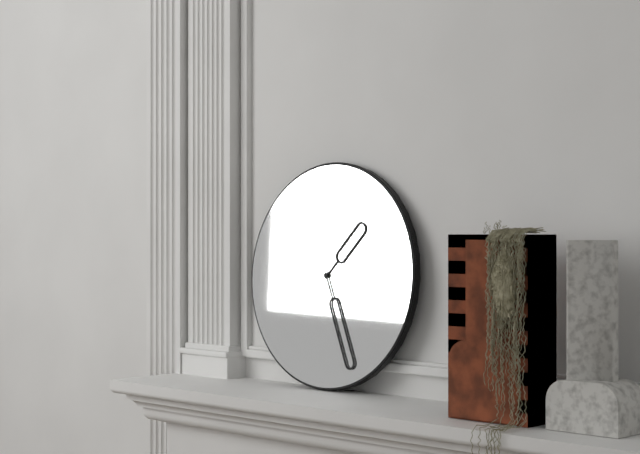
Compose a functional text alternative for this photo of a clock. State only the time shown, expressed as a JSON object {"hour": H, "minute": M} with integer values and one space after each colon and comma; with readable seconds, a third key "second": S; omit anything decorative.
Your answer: {"hour": 1, "minute": 26}
